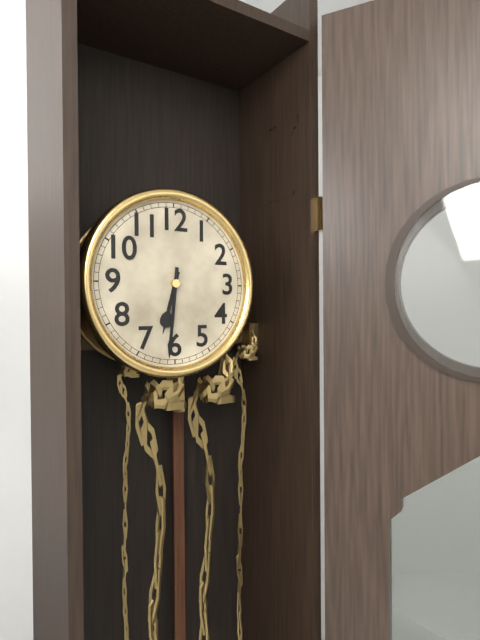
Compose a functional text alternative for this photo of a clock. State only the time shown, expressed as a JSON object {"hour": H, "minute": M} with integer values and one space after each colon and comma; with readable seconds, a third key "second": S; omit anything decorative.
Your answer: {"hour": 6, "minute": 31}
